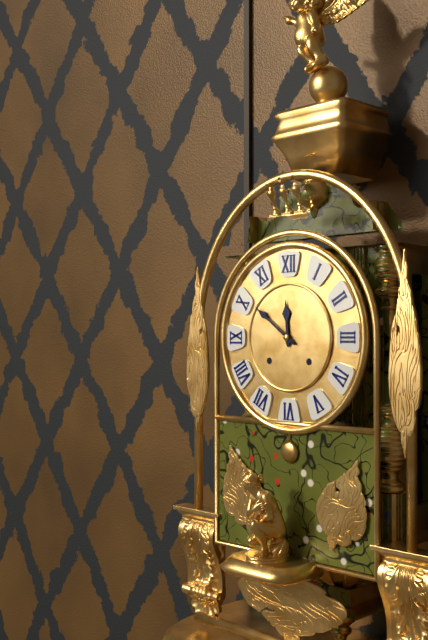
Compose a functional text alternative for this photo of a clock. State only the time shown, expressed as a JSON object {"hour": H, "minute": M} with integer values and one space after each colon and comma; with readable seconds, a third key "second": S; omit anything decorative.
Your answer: {"hour": 11, "minute": 51}
